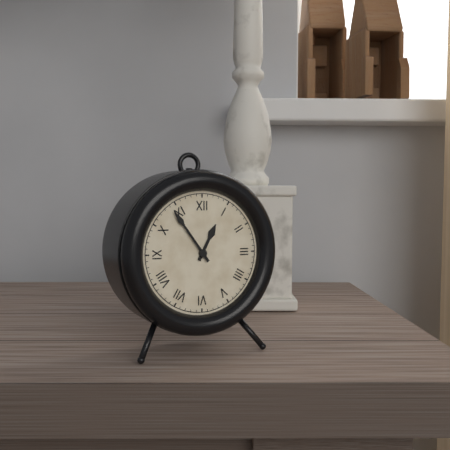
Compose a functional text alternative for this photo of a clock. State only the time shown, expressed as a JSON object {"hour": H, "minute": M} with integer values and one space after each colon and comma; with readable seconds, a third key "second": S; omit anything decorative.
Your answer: {"hour": 12, "minute": 54}
